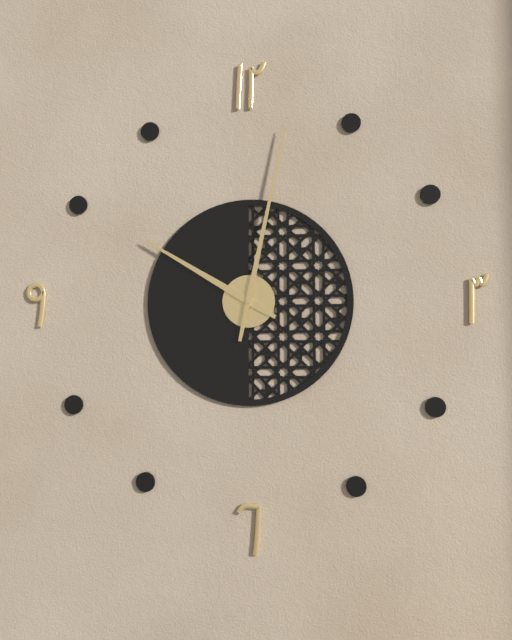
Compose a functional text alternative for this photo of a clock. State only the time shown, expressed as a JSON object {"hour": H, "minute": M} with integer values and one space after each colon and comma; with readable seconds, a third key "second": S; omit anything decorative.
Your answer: {"hour": 10, "minute": 2}
